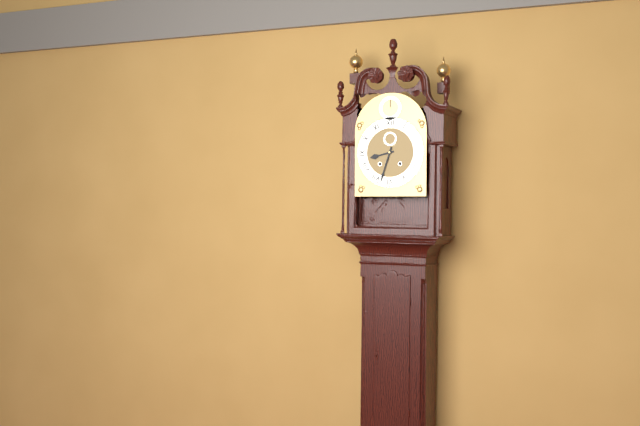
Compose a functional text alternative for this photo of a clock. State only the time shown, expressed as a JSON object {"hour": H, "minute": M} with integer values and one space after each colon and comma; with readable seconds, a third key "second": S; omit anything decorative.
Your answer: {"hour": 8, "minute": 33}
